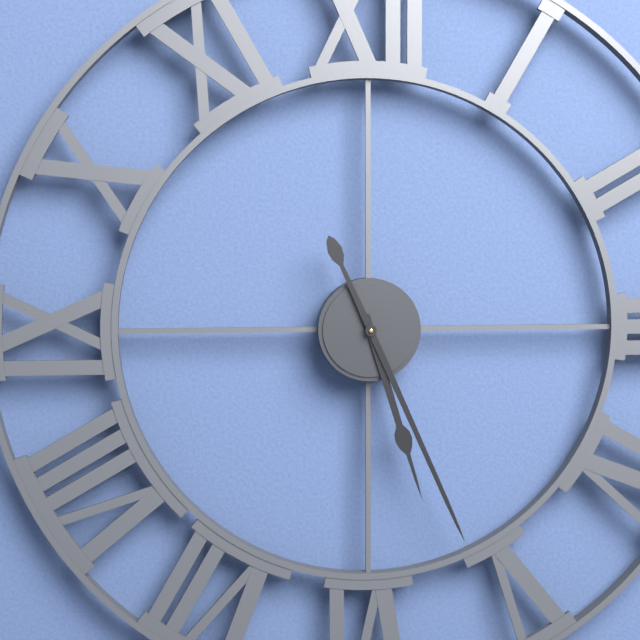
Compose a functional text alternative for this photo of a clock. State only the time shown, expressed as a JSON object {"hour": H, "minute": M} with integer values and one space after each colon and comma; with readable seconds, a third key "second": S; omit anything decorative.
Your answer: {"hour": 5, "minute": 26}
